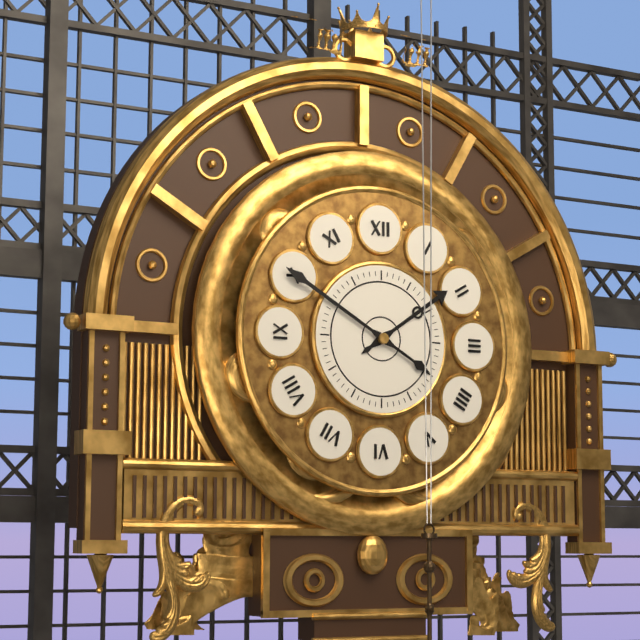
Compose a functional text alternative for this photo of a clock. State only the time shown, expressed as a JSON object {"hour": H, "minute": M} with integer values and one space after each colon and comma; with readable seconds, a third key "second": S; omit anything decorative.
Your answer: {"hour": 1, "minute": 50}
